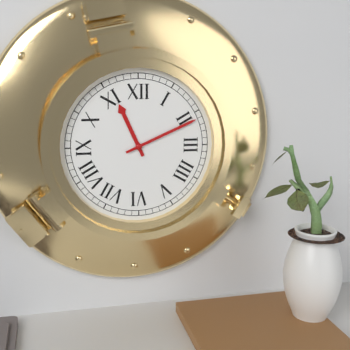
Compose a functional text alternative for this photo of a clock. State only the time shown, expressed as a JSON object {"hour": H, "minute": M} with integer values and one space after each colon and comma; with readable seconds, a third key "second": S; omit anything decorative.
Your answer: {"hour": 11, "minute": 11}
